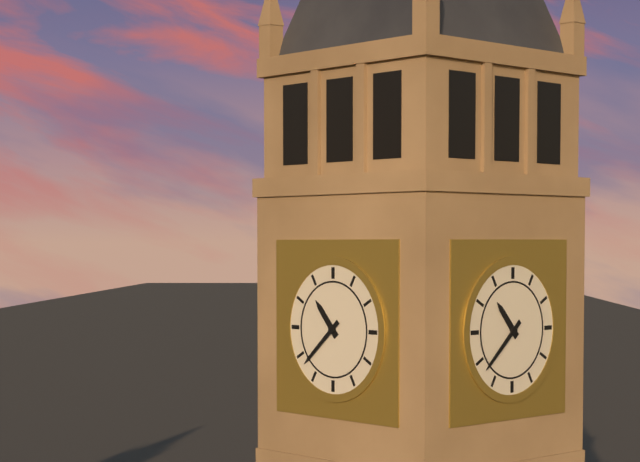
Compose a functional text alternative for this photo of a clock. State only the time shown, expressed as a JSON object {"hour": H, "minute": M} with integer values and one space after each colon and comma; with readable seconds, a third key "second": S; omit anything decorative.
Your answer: {"hour": 10, "minute": 38}
